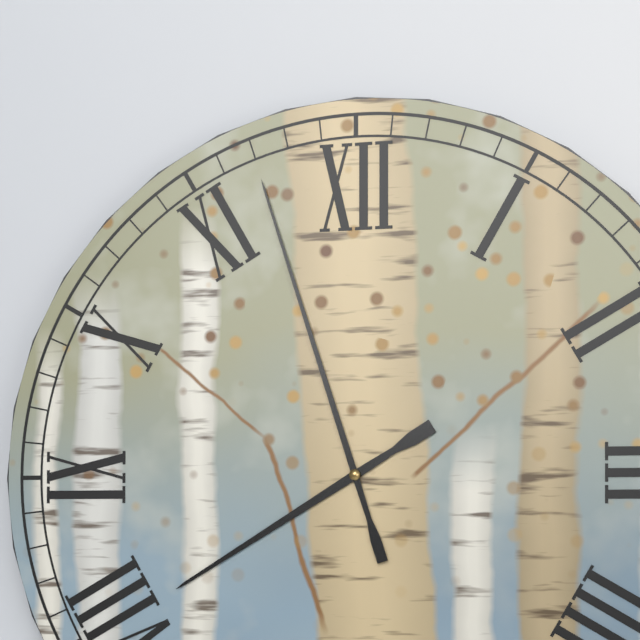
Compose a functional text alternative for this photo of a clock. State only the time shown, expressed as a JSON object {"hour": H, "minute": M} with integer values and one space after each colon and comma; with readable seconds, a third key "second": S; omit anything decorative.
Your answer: {"hour": 7, "minute": 57}
